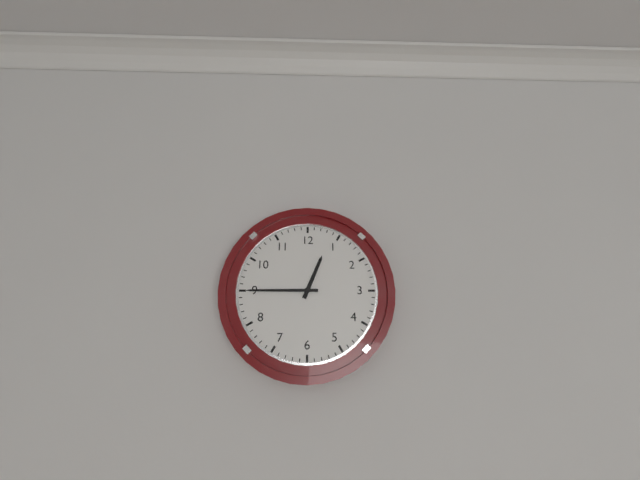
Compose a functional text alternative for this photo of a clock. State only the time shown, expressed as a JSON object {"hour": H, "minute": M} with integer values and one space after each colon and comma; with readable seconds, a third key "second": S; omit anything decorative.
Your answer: {"hour": 12, "minute": 45}
